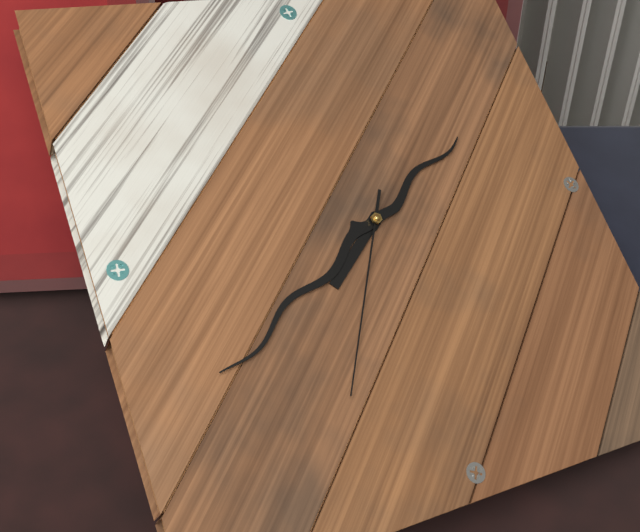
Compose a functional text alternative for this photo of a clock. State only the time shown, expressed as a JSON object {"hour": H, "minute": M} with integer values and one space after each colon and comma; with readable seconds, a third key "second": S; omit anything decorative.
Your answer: {"hour": 7, "minute": 40, "second": 35}
